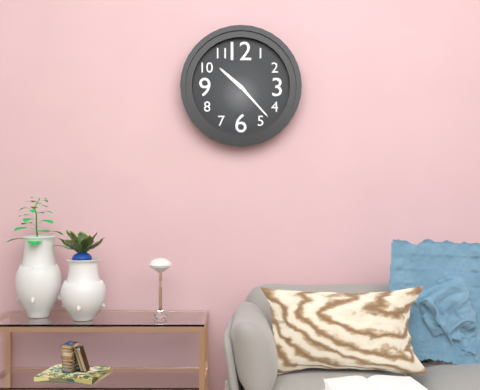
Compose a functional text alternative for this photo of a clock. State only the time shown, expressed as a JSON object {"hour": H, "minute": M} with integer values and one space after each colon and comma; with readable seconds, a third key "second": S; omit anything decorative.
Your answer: {"hour": 10, "minute": 23}
